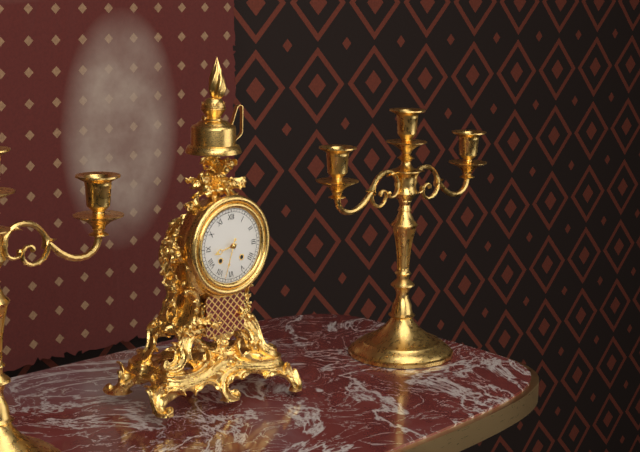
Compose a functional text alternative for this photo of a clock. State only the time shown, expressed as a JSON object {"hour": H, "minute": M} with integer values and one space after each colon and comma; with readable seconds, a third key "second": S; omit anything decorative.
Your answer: {"hour": 8, "minute": 33}
